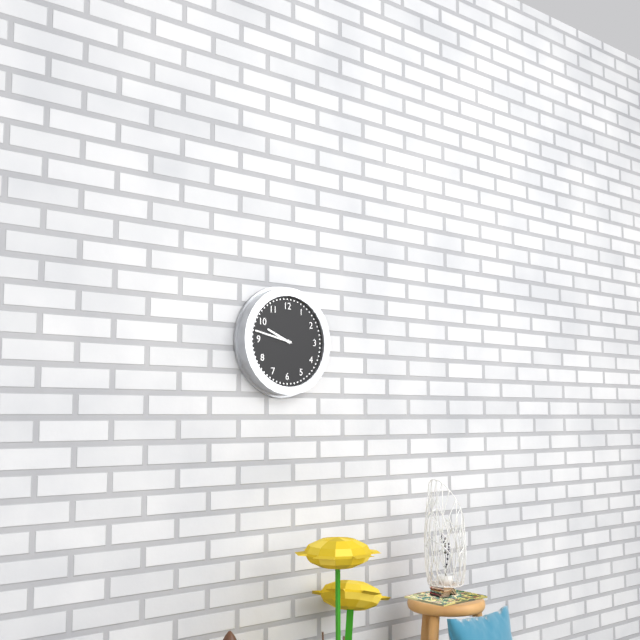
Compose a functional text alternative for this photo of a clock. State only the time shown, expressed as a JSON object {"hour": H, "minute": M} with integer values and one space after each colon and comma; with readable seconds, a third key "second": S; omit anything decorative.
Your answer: {"hour": 9, "minute": 47}
